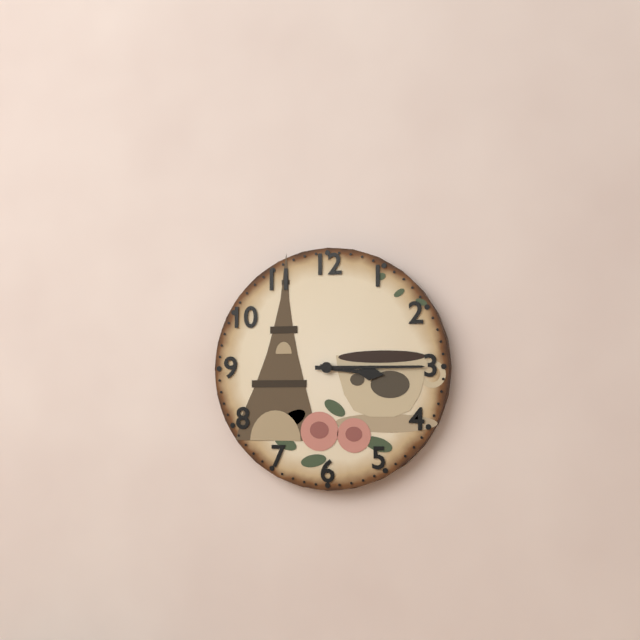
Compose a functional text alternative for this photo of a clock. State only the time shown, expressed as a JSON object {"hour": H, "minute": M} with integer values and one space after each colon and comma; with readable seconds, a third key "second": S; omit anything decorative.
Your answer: {"hour": 3, "minute": 15}
